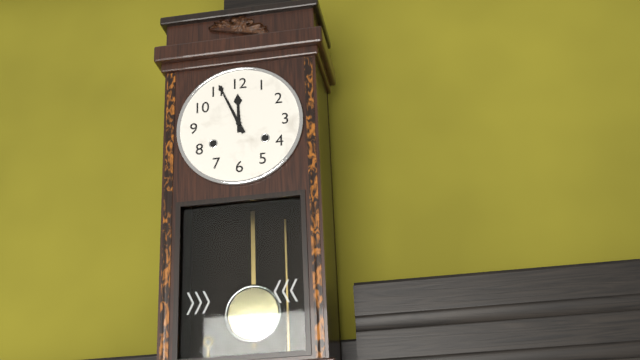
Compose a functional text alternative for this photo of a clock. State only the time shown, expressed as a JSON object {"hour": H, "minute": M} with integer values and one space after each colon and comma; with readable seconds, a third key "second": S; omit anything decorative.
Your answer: {"hour": 11, "minute": 56}
